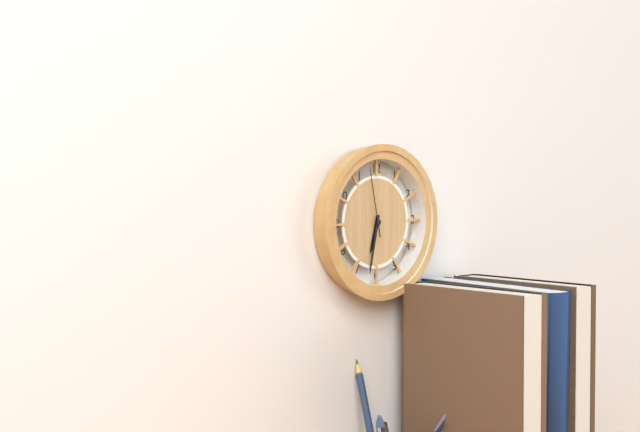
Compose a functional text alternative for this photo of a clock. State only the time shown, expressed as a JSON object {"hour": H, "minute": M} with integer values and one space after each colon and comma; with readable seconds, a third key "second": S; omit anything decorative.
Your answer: {"hour": 6, "minute": 32, "second": 58}
